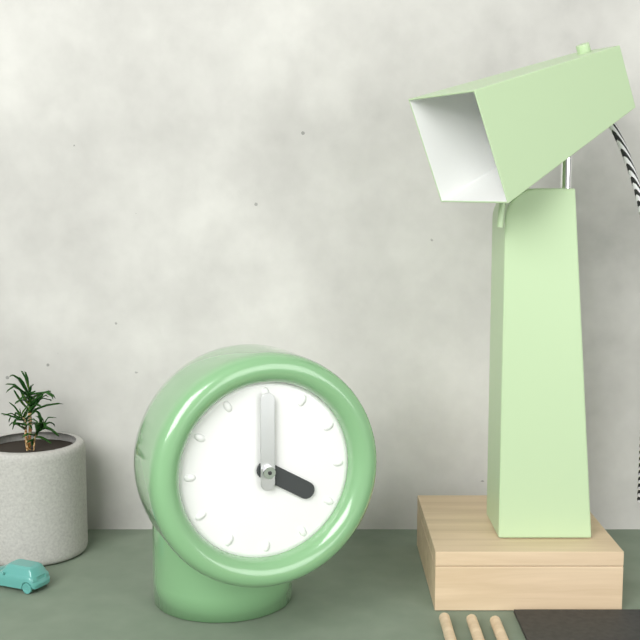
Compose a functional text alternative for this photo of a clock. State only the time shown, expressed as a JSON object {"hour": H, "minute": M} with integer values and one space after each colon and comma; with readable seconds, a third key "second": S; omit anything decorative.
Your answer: {"hour": 4, "minute": 0}
